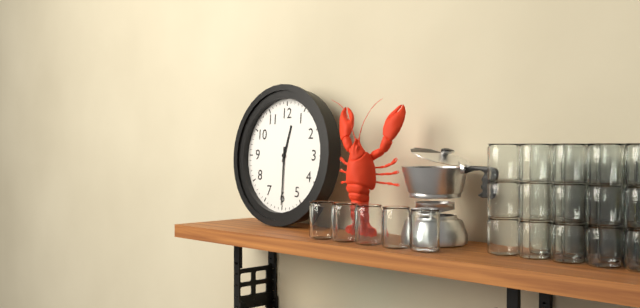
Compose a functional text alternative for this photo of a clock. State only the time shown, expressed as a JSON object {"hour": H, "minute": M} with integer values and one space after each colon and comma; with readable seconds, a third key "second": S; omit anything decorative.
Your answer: {"hour": 12, "minute": 30}
